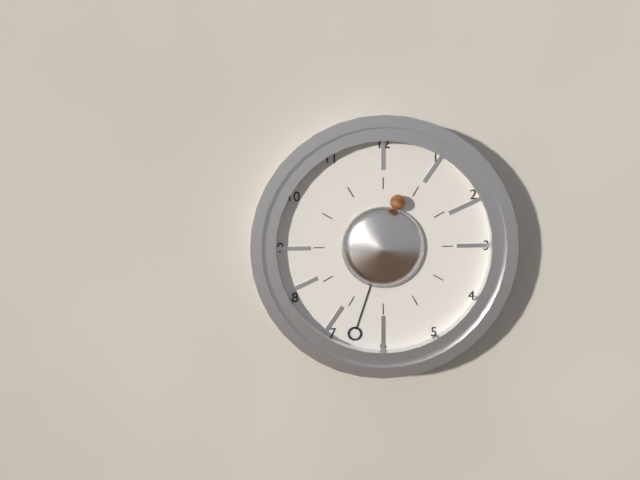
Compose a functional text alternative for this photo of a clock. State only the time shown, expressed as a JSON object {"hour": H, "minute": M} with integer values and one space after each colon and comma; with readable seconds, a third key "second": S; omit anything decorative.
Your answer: {"hour": 12, "minute": 33}
